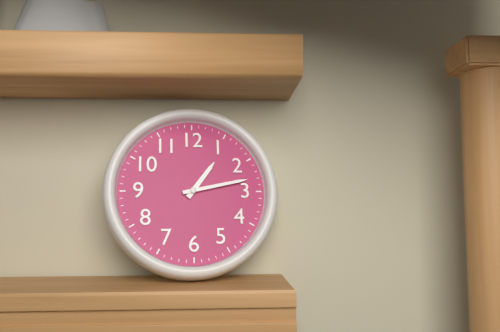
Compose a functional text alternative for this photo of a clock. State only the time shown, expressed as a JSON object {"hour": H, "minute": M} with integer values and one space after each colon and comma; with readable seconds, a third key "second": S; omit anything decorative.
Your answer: {"hour": 1, "minute": 13}
